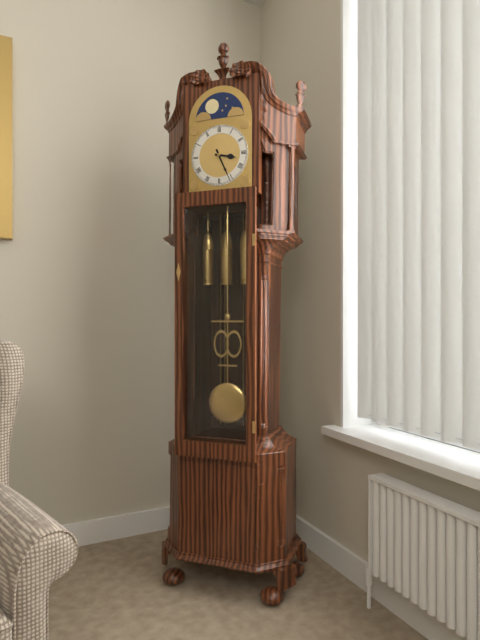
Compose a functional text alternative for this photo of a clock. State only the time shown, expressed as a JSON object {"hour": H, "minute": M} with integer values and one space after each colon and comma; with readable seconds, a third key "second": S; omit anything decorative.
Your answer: {"hour": 3, "minute": 26}
